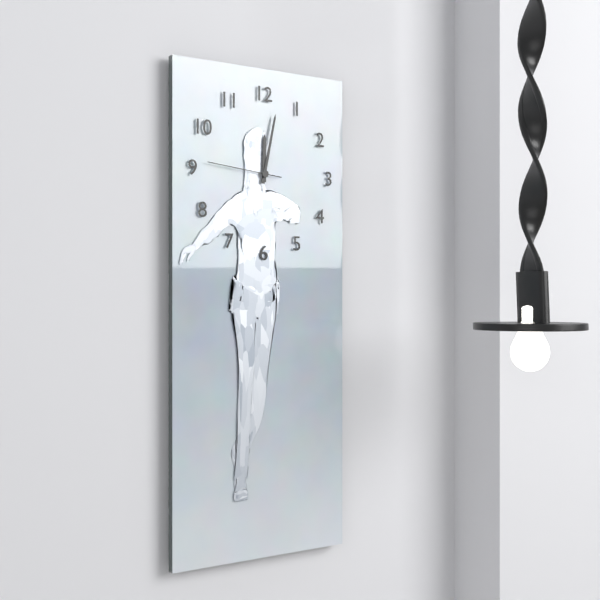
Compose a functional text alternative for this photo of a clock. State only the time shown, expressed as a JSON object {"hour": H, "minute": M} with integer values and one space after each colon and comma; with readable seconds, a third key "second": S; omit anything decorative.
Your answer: {"hour": 12, "minute": 2, "second": 46}
